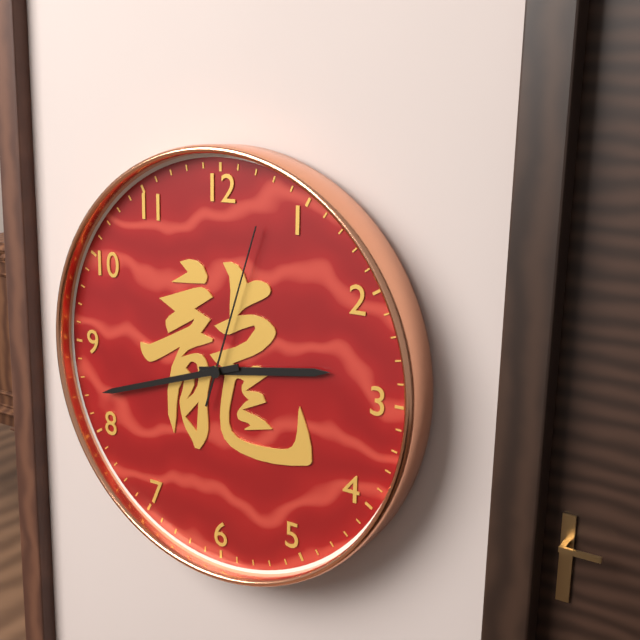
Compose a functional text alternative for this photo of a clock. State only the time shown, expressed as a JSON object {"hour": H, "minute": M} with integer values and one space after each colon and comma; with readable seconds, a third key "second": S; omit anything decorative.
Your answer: {"hour": 2, "minute": 42, "second": 3}
